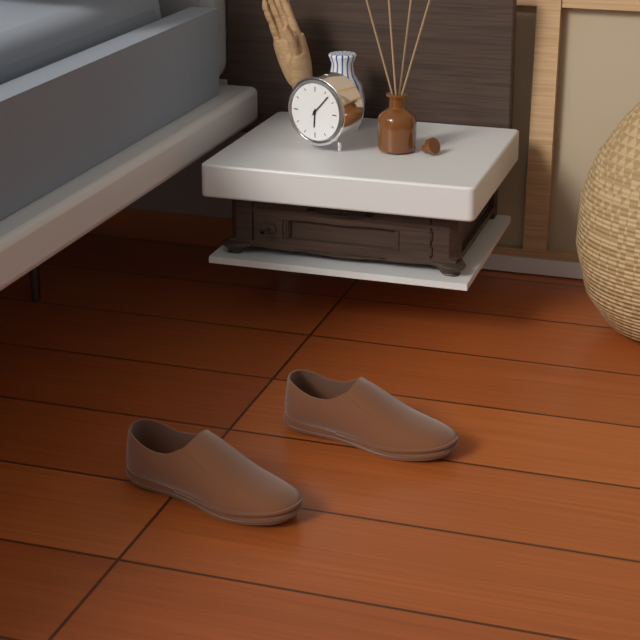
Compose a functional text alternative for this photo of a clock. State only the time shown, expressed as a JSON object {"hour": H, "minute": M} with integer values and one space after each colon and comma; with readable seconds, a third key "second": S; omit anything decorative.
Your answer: {"hour": 6, "minute": 7}
